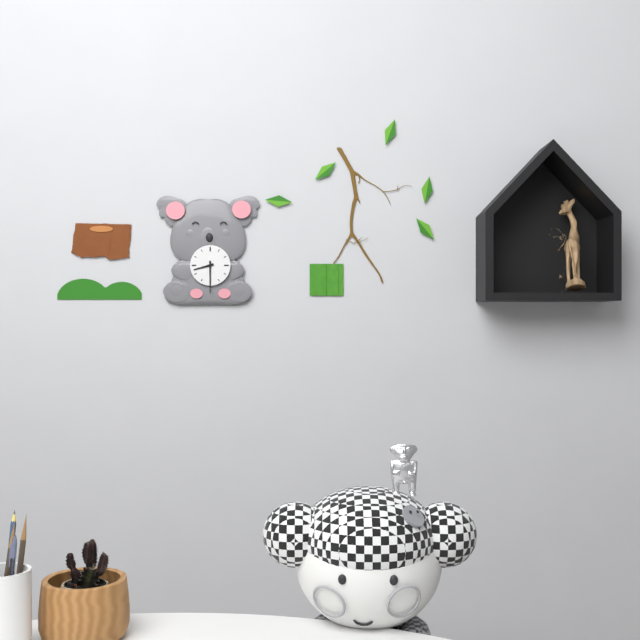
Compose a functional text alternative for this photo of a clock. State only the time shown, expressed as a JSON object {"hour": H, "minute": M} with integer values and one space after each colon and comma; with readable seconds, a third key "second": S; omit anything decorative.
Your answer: {"hour": 8, "minute": 30}
